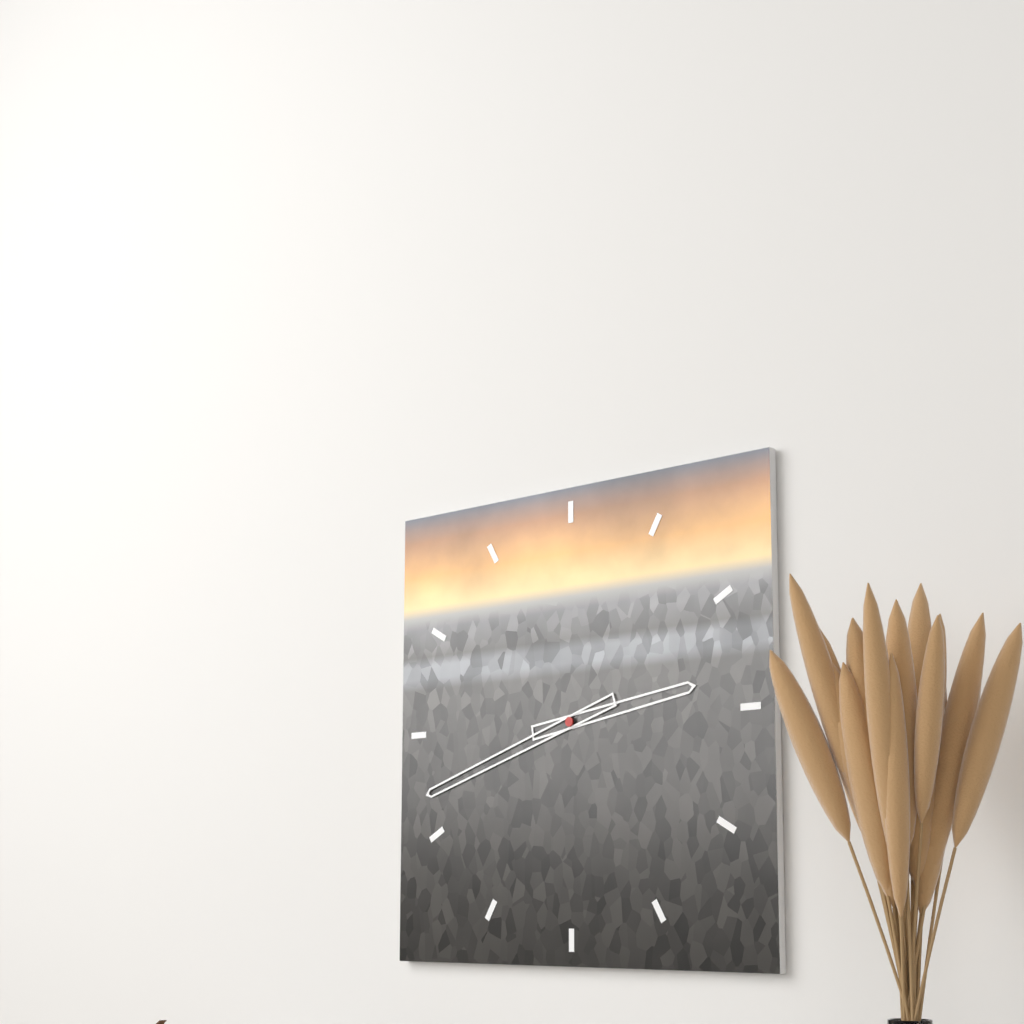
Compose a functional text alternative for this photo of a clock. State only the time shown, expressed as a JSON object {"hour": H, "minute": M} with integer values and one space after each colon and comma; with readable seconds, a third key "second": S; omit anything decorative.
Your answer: {"hour": 2, "minute": 42}
